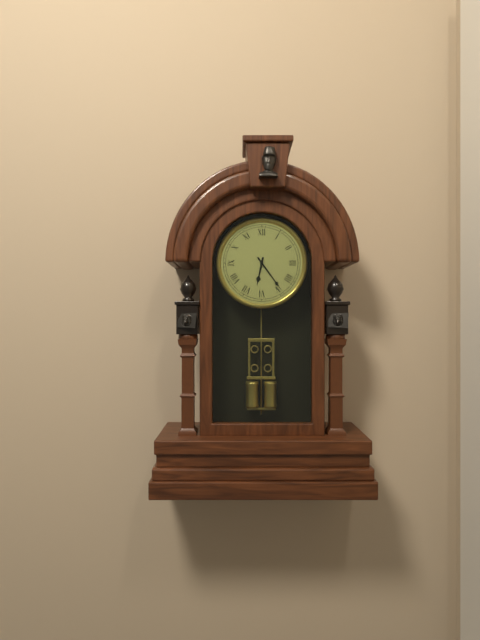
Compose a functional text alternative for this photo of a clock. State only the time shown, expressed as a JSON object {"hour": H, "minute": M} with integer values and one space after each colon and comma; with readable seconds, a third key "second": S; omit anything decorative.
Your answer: {"hour": 6, "minute": 24}
